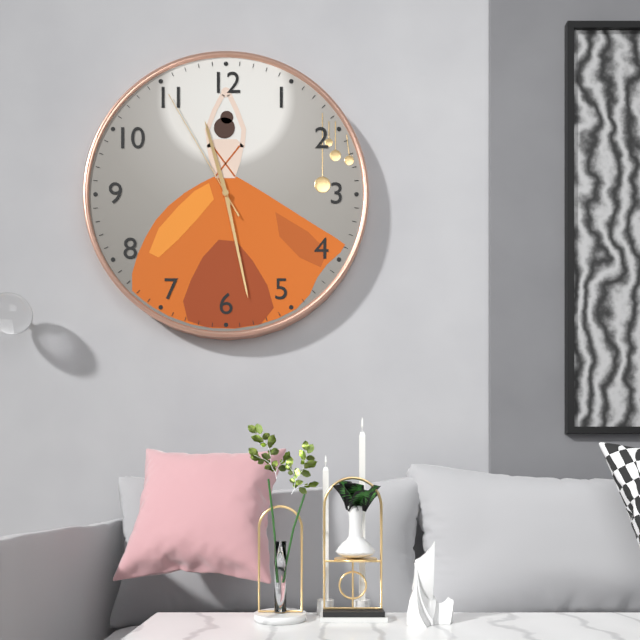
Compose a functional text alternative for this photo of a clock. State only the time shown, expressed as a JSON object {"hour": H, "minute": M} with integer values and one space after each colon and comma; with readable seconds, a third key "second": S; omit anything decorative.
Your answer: {"hour": 11, "minute": 28, "second": 55}
